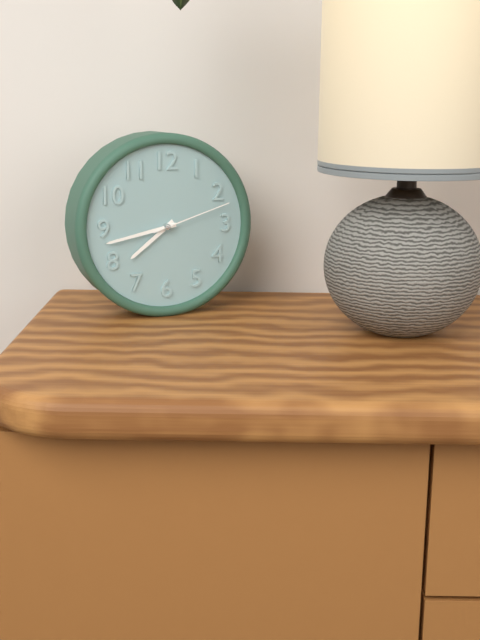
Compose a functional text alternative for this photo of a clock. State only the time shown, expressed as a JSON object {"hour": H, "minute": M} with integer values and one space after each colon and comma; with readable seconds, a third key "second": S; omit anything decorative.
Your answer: {"hour": 7, "minute": 43, "second": 12}
